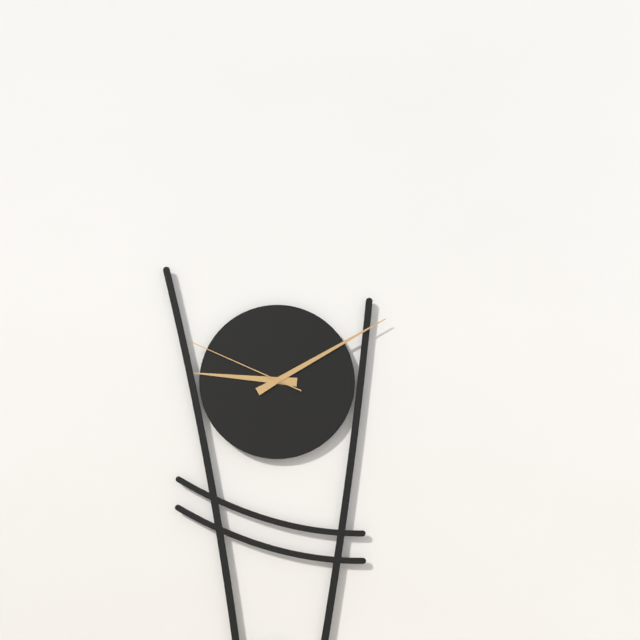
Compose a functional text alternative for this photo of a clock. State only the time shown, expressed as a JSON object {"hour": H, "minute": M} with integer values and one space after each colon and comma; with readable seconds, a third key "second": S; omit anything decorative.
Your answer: {"hour": 9, "minute": 10, "second": 49}
